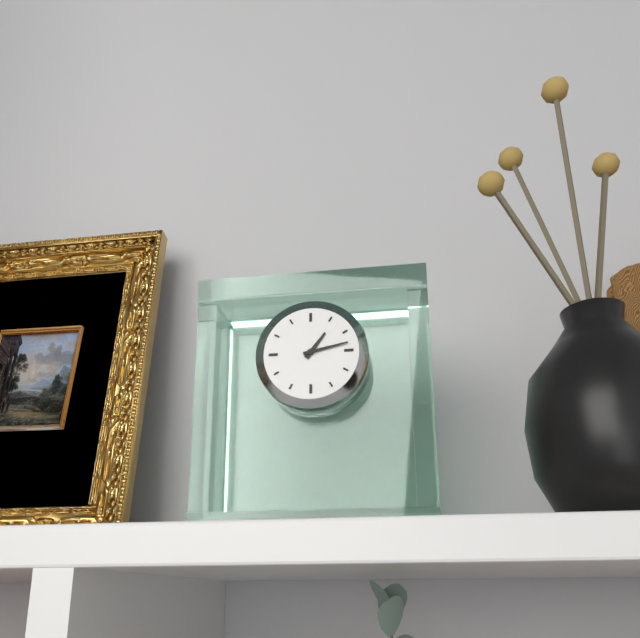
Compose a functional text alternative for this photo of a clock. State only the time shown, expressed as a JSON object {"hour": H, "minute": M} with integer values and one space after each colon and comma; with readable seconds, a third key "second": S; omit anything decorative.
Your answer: {"hour": 1, "minute": 13}
